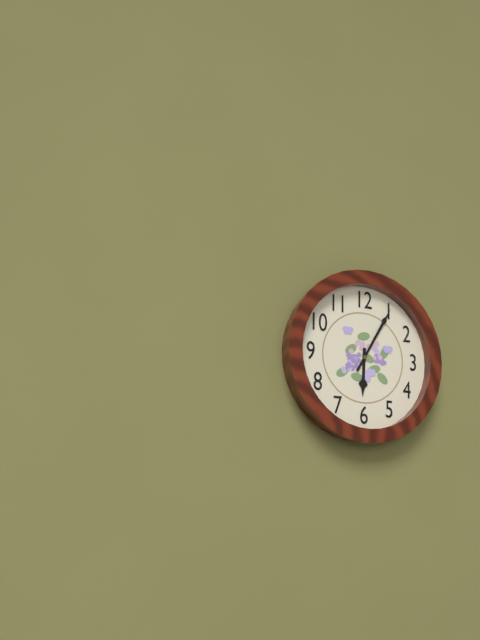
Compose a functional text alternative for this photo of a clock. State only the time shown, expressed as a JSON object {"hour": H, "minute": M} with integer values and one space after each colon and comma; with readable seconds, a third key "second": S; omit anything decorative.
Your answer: {"hour": 6, "minute": 5}
